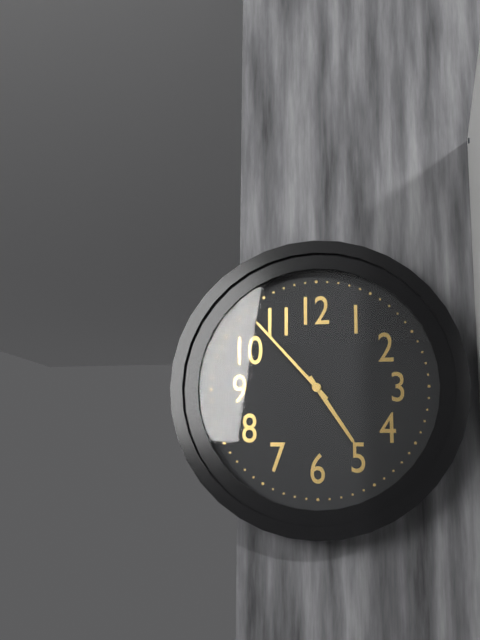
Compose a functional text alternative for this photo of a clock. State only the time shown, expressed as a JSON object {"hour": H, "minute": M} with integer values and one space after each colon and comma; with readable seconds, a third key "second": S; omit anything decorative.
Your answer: {"hour": 4, "minute": 53}
